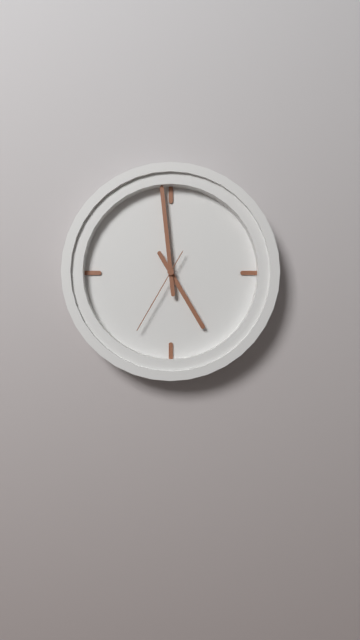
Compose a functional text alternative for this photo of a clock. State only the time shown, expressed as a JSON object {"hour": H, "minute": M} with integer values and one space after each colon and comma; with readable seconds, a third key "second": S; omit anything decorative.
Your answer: {"hour": 4, "minute": 59, "second": 35}
